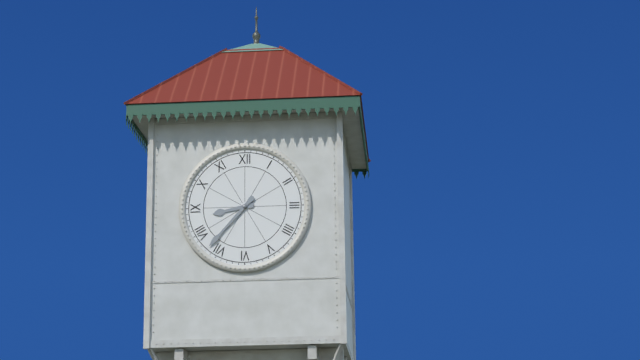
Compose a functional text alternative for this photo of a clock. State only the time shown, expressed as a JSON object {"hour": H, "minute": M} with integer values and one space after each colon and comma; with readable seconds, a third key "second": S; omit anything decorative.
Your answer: {"hour": 8, "minute": 37}
